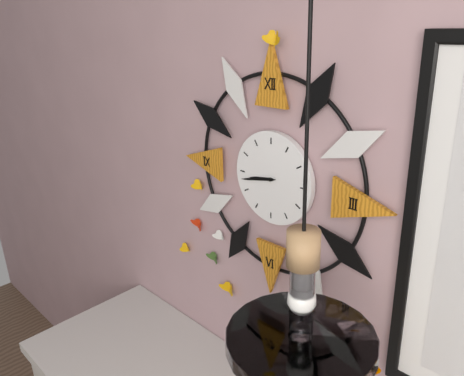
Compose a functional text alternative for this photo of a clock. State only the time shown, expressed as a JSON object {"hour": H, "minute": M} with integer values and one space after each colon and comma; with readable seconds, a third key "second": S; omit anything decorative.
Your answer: {"hour": 8, "minute": 43}
